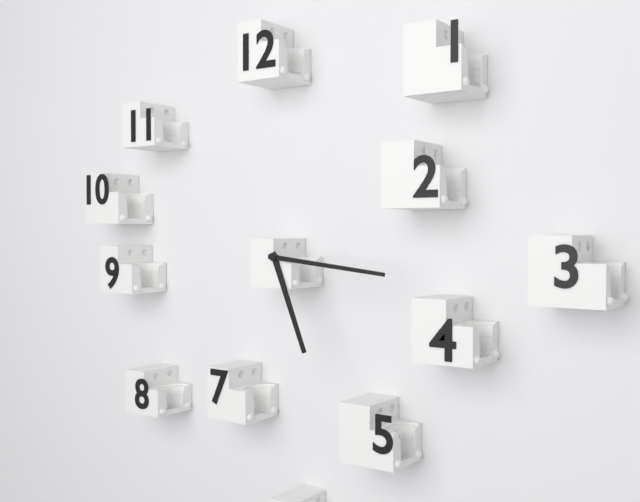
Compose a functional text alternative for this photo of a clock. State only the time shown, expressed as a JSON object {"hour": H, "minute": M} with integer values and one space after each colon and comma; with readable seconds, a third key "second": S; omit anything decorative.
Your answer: {"hour": 5, "minute": 16}
